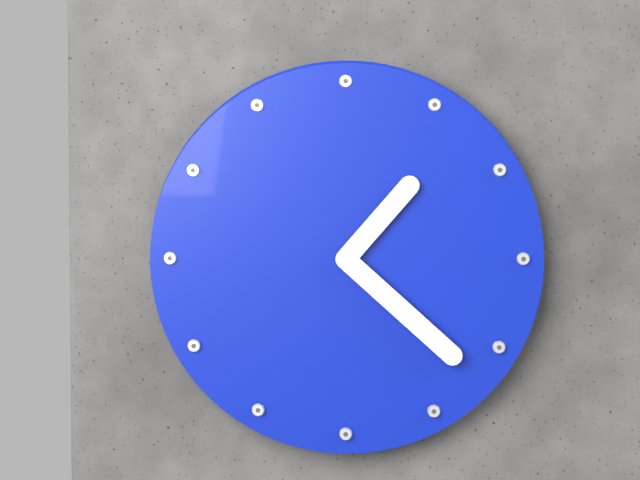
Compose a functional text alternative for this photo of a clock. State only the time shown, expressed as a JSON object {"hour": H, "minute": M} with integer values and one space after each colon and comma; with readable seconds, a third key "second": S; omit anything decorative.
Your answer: {"hour": 1, "minute": 22}
